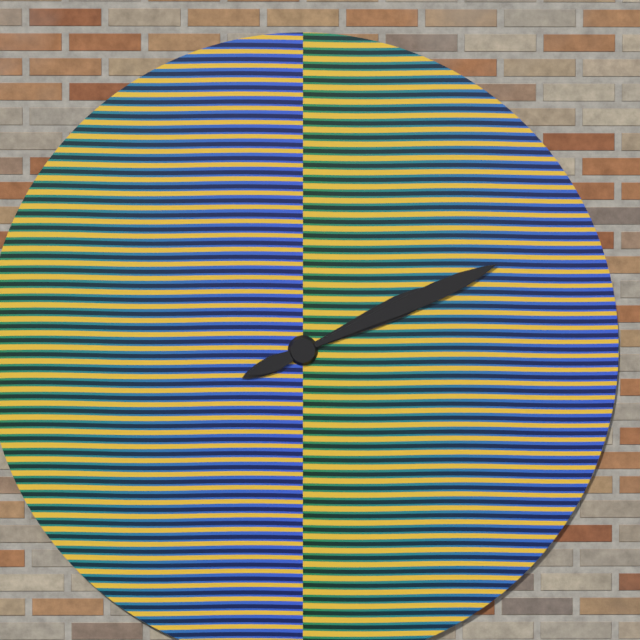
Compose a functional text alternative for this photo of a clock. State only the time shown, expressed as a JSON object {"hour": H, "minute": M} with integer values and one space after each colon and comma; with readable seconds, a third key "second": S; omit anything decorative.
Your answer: {"hour": 2, "minute": 11}
